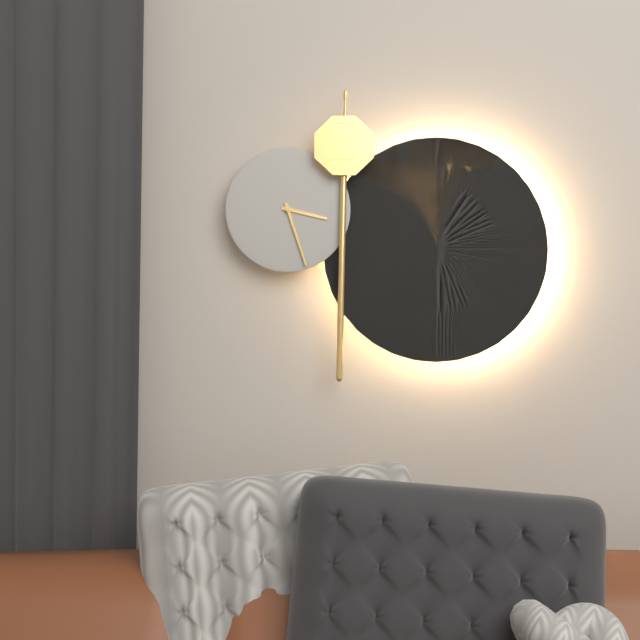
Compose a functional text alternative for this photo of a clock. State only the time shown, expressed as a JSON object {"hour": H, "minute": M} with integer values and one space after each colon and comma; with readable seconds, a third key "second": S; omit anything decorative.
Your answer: {"hour": 3, "minute": 27}
